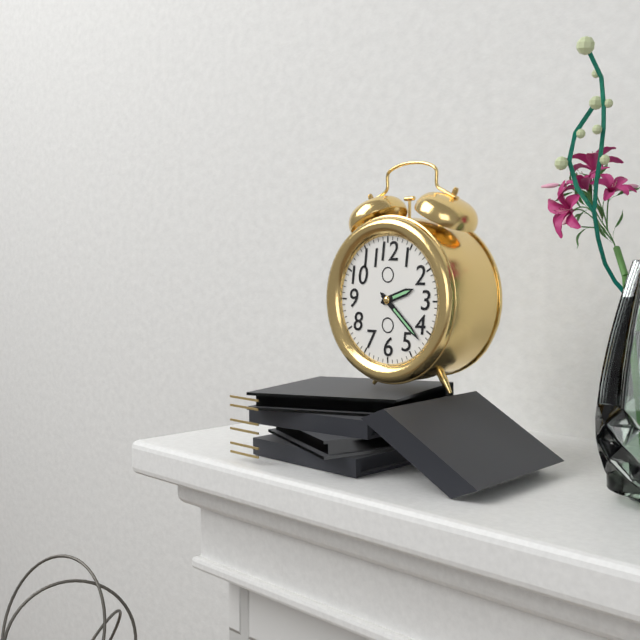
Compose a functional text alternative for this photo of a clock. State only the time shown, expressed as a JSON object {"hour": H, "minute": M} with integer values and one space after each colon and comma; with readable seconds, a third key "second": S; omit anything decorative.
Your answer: {"hour": 2, "minute": 22}
